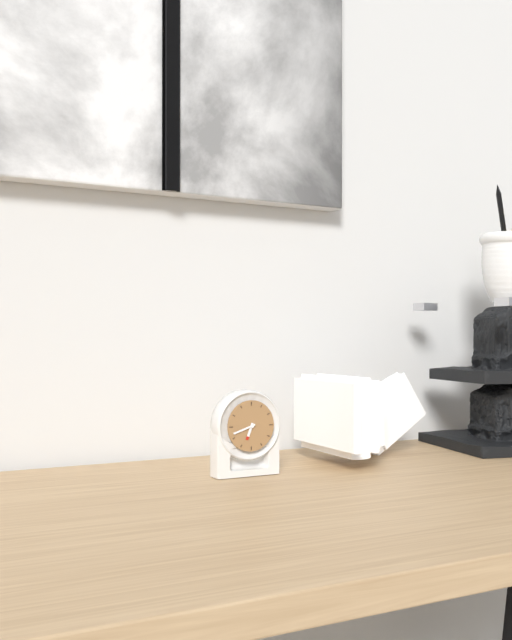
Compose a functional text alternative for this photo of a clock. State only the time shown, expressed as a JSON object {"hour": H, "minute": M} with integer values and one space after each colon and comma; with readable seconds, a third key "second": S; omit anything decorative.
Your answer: {"hour": 6, "minute": 42}
